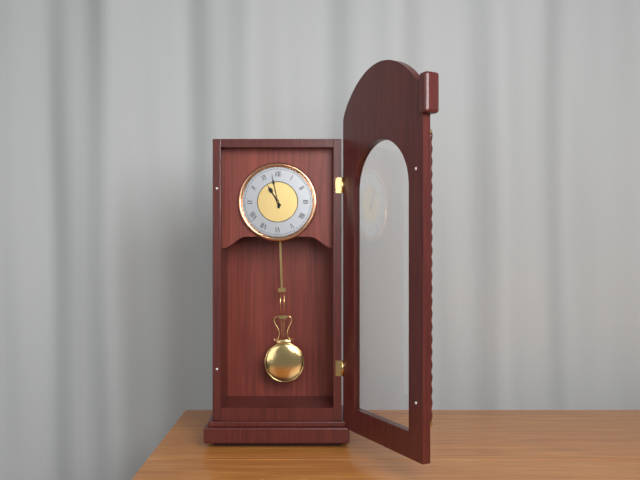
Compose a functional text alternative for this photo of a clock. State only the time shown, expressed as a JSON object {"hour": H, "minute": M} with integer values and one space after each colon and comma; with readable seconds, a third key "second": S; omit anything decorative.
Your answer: {"hour": 10, "minute": 58}
